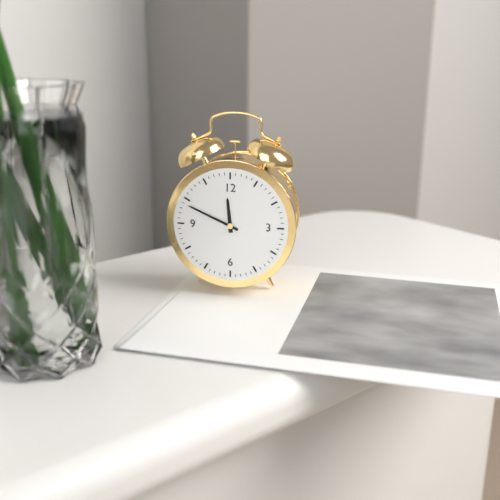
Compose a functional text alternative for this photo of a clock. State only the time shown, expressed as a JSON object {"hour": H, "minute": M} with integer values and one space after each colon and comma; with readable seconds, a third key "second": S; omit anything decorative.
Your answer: {"hour": 11, "minute": 49}
